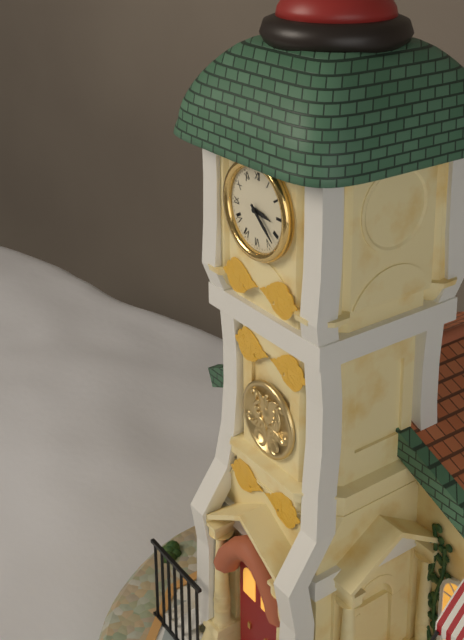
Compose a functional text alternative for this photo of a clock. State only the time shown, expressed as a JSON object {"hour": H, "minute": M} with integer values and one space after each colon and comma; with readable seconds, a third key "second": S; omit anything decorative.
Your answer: {"hour": 3, "minute": 22}
